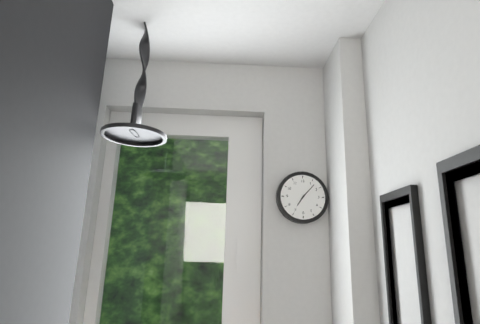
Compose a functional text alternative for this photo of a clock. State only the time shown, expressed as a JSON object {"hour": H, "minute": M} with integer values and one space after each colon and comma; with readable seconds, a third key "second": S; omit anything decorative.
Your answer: {"hour": 7, "minute": 7}
